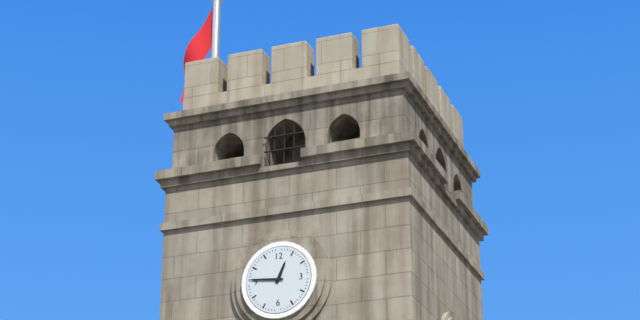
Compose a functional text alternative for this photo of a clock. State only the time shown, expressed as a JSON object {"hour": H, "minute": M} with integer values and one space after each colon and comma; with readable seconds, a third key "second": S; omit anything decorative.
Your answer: {"hour": 12, "minute": 46}
